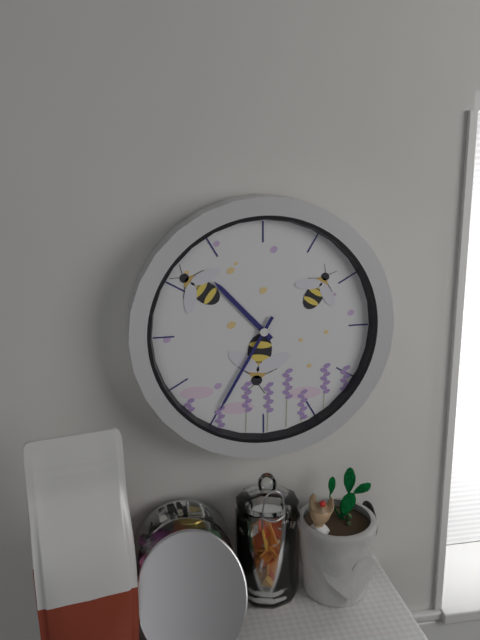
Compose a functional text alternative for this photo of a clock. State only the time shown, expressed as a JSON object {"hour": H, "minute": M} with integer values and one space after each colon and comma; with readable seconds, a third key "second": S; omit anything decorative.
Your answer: {"hour": 10, "minute": 35}
